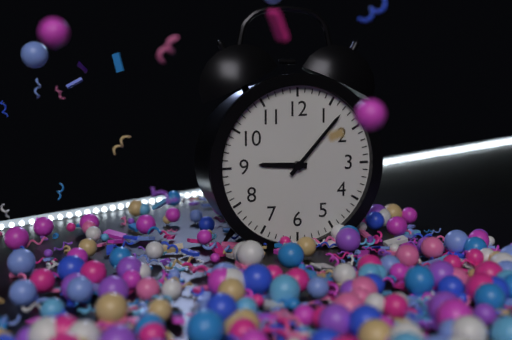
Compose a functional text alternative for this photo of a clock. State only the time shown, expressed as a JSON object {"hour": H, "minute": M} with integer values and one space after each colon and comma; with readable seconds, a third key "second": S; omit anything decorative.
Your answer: {"hour": 9, "minute": 7}
